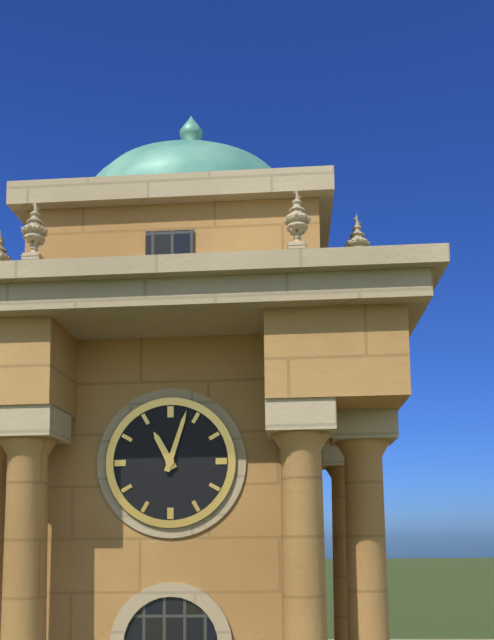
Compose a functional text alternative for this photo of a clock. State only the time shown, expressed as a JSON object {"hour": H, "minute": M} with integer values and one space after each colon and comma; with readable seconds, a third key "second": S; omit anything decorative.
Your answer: {"hour": 11, "minute": 3}
